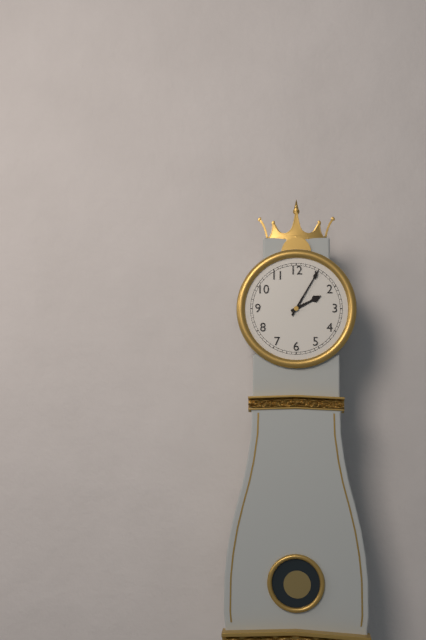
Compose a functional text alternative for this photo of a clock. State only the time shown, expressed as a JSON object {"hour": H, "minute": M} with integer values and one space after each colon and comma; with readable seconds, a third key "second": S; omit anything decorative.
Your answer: {"hour": 2, "minute": 5}
